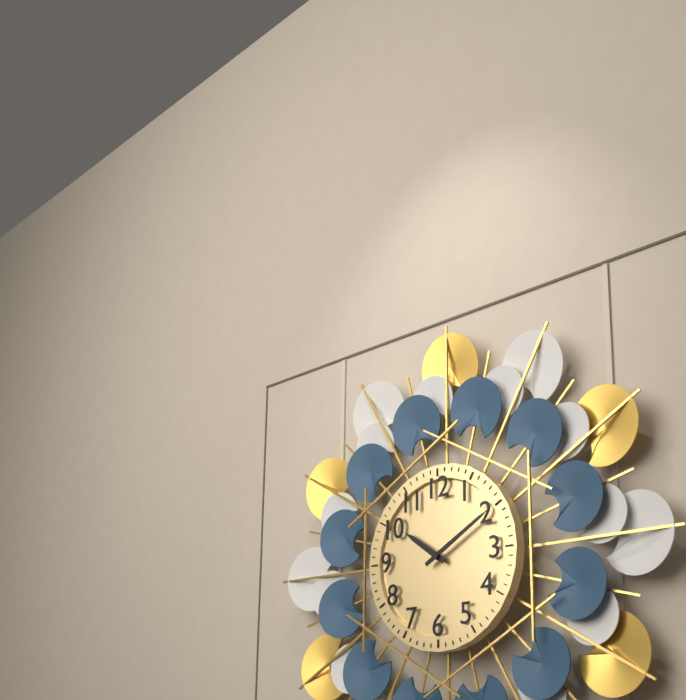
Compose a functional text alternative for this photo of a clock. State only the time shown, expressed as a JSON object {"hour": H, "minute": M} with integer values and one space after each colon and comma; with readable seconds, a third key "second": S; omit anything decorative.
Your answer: {"hour": 10, "minute": 10}
